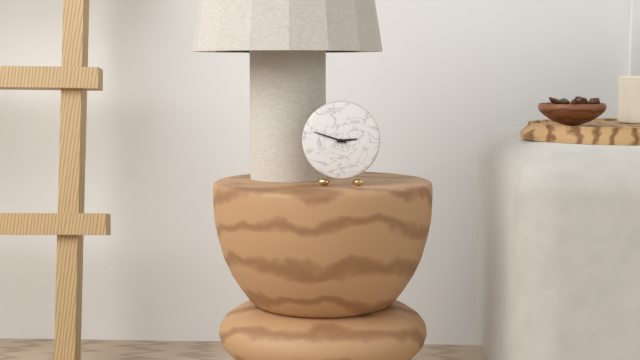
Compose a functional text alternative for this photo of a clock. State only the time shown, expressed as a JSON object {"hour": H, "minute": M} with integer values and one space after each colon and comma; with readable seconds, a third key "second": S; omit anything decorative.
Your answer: {"hour": 2, "minute": 48}
